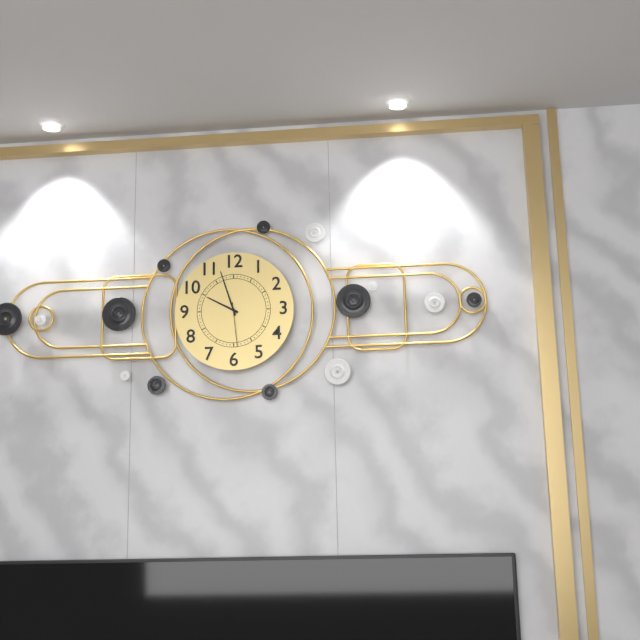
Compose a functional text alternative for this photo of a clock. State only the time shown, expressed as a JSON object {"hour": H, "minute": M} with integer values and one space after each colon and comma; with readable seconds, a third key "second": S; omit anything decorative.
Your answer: {"hour": 9, "minute": 57}
